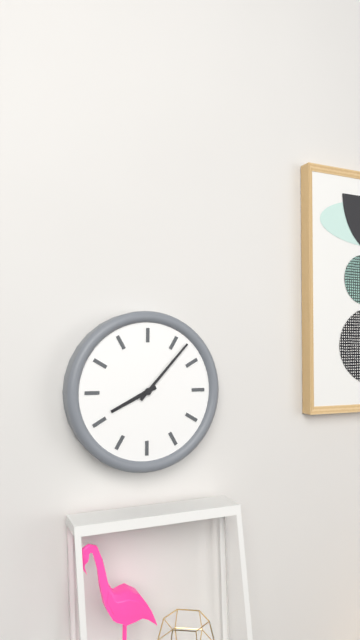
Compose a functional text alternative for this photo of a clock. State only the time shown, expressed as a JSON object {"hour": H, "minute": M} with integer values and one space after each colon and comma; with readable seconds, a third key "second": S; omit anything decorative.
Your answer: {"hour": 8, "minute": 7}
